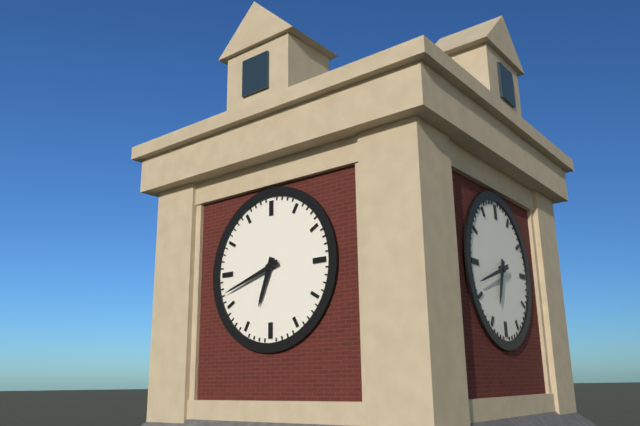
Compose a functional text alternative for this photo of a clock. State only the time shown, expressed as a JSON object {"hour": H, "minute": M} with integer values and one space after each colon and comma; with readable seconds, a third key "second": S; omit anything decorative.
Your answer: {"hour": 6, "minute": 42}
